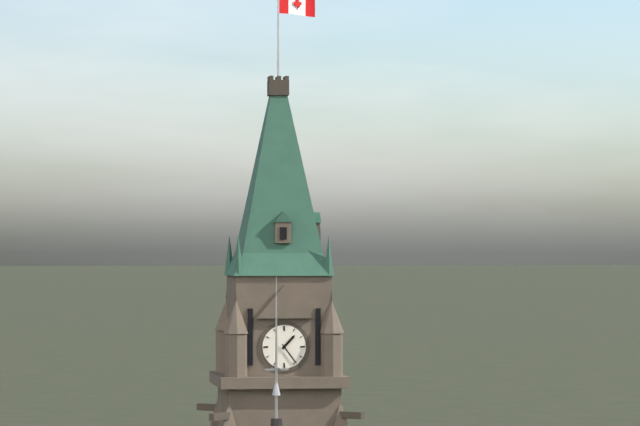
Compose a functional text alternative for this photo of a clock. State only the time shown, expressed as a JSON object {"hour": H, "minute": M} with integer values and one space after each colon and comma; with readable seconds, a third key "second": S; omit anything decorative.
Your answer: {"hour": 1, "minute": 24}
